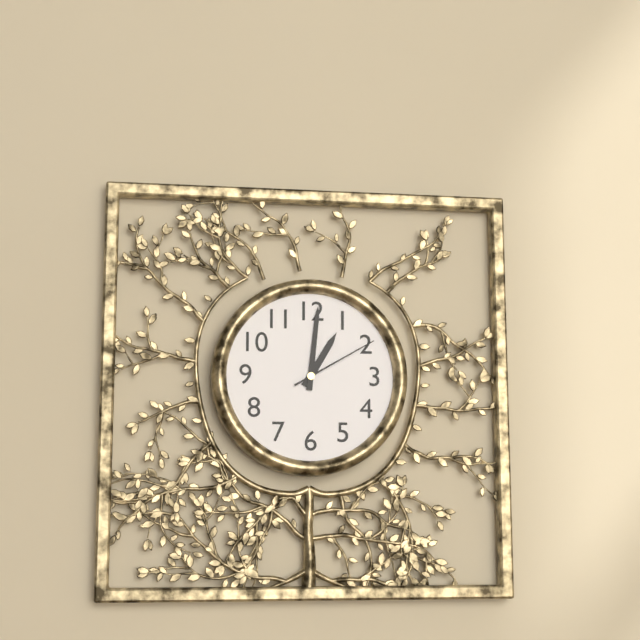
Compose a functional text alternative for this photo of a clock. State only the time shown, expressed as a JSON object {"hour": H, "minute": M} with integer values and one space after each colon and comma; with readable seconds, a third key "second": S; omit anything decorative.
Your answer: {"hour": 1, "minute": 1, "second": 10}
